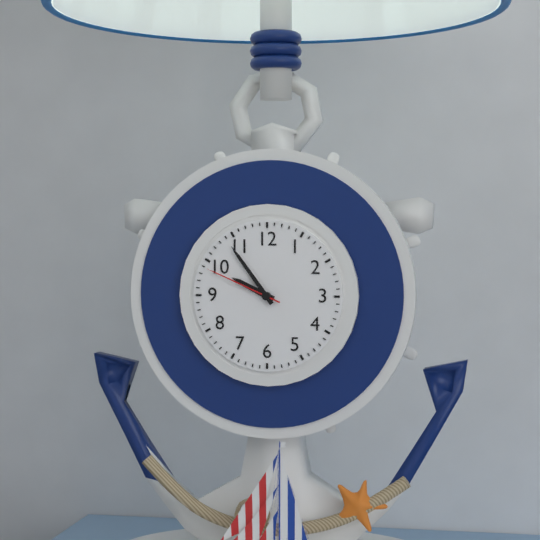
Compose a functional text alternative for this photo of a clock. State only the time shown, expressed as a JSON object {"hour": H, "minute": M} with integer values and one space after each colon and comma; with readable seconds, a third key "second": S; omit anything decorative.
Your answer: {"hour": 9, "minute": 54, "second": 49}
